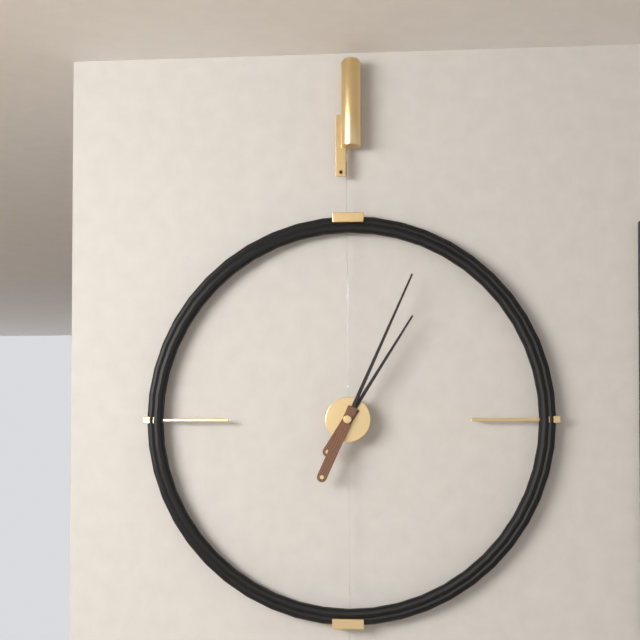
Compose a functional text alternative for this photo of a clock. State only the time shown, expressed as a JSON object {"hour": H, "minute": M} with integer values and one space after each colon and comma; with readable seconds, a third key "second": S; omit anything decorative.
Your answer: {"hour": 1, "minute": 4}
